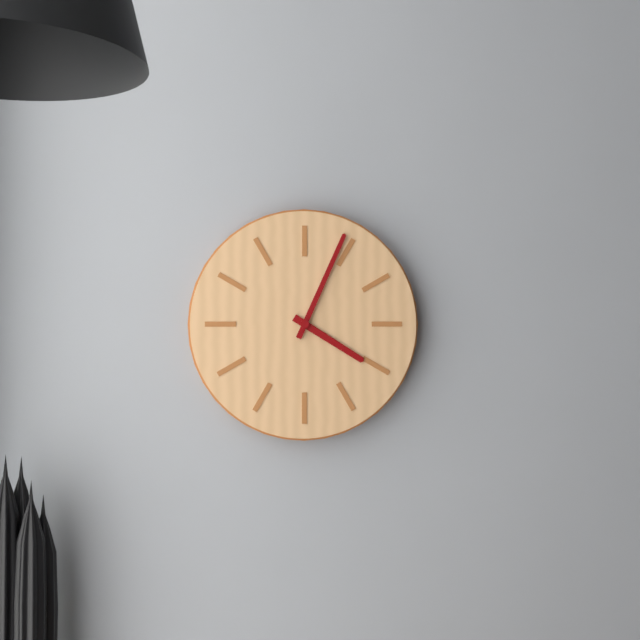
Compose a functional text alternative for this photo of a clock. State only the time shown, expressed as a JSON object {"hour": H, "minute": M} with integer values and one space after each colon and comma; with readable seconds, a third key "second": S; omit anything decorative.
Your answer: {"hour": 4, "minute": 4}
